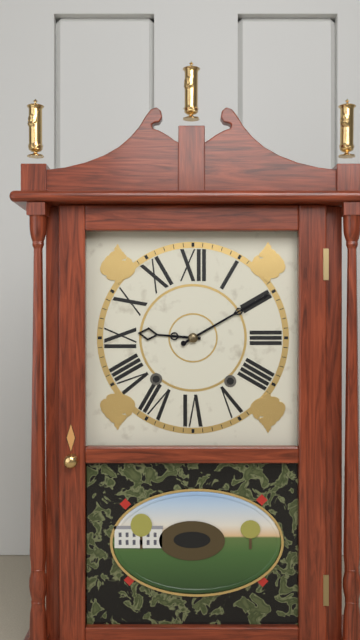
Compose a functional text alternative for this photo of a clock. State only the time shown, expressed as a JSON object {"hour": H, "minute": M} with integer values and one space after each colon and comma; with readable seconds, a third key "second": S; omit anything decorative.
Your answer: {"hour": 9, "minute": 10}
